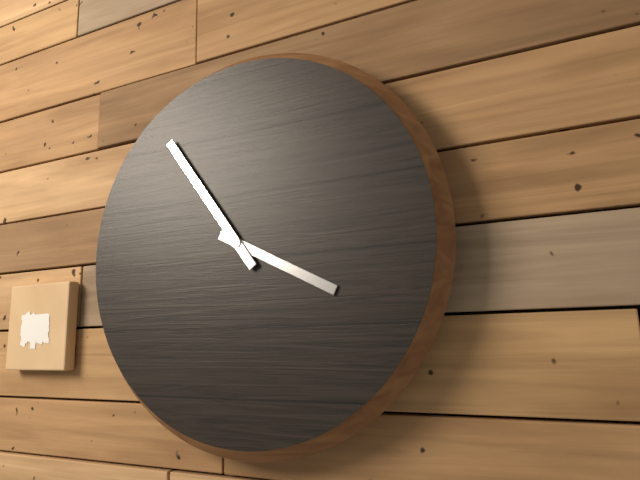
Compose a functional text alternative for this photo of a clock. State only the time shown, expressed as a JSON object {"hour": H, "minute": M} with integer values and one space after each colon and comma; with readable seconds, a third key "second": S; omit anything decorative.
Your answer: {"hour": 3, "minute": 54}
